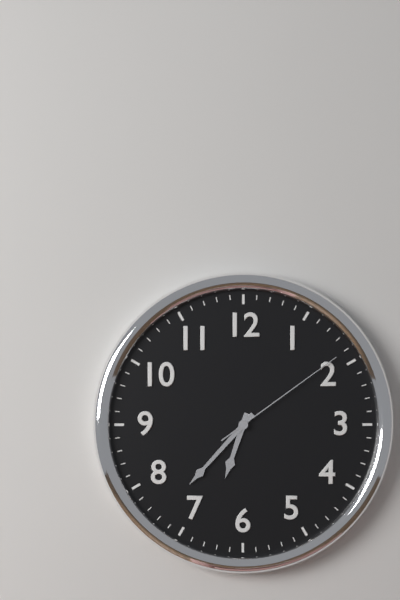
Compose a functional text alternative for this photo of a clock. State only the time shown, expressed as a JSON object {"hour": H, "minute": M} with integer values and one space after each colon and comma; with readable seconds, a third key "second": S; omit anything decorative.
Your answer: {"hour": 6, "minute": 37, "second": 9}
